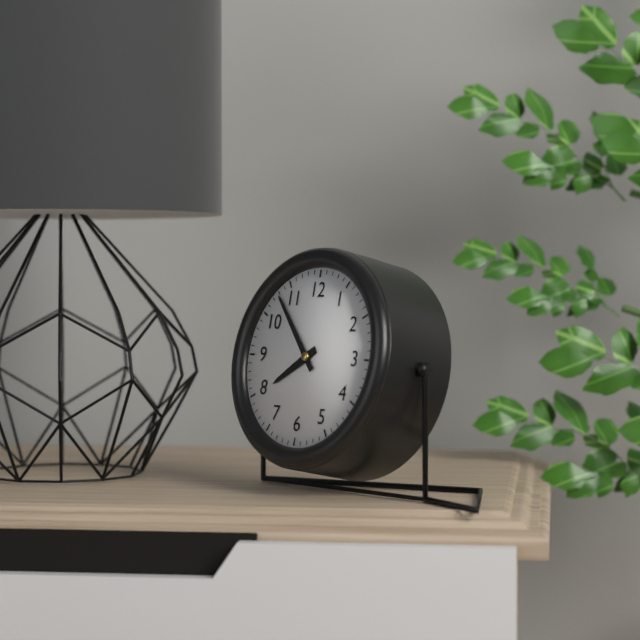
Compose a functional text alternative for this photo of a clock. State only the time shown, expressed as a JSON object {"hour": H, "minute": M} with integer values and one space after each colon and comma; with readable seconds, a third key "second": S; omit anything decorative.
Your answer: {"hour": 7, "minute": 53}
